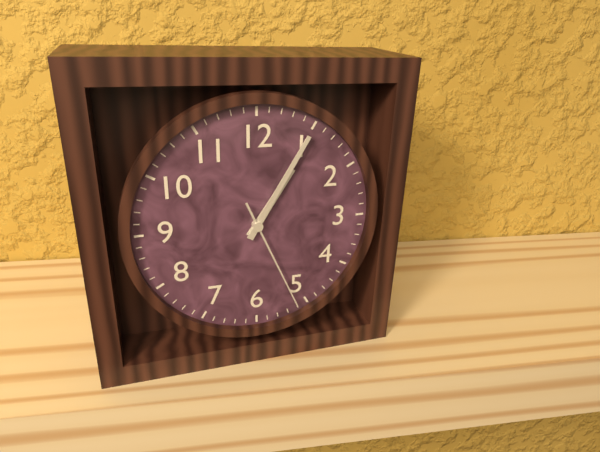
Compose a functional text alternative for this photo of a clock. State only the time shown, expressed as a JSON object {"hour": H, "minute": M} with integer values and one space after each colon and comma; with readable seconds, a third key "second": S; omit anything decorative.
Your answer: {"hour": 1, "minute": 5, "second": 26}
